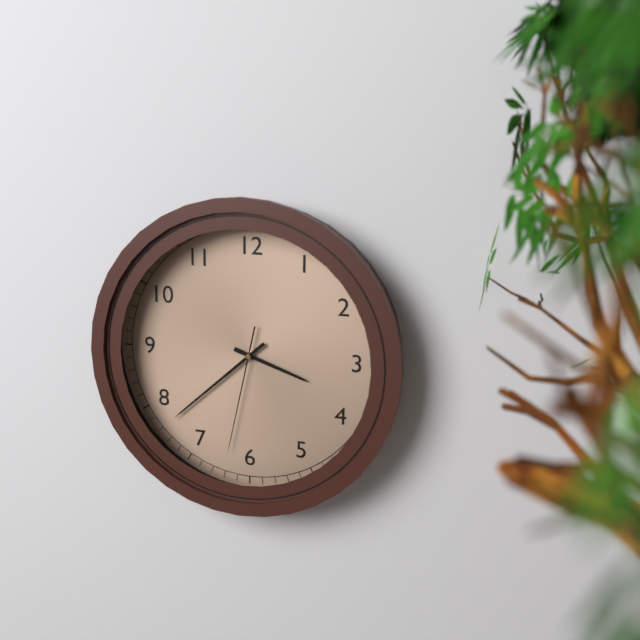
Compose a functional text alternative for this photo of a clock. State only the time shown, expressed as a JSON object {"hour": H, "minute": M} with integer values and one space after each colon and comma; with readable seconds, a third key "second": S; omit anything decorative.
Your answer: {"hour": 3, "minute": 38, "second": 32}
